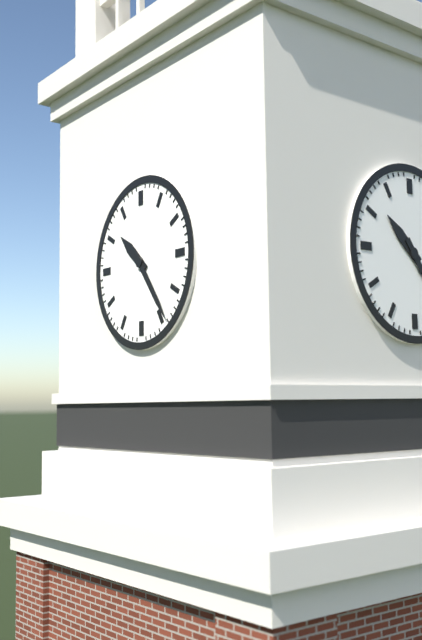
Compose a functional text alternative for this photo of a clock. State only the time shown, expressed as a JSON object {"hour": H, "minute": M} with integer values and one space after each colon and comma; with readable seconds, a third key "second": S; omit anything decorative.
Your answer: {"hour": 10, "minute": 24}
